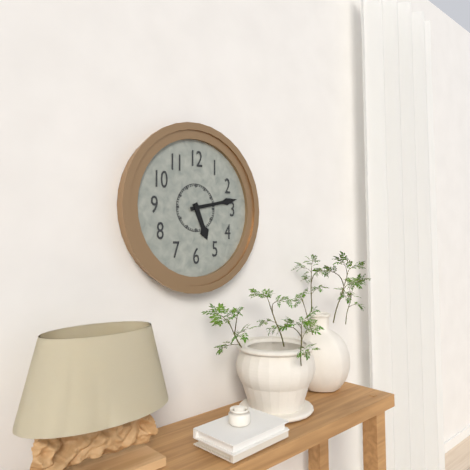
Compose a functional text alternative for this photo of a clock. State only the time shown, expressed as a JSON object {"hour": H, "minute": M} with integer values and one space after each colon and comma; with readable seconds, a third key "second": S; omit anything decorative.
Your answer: {"hour": 5, "minute": 13}
